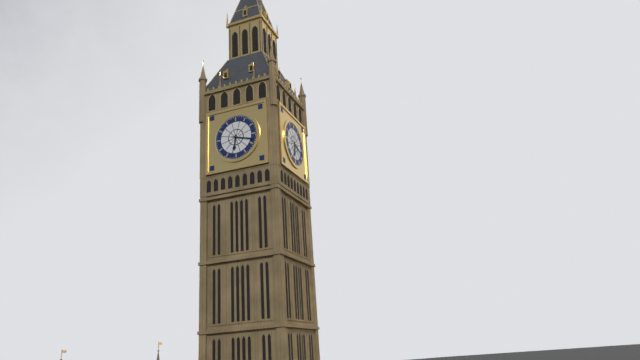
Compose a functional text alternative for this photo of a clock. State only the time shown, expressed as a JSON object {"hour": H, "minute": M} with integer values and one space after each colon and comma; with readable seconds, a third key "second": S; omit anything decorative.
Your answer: {"hour": 6, "minute": 18}
